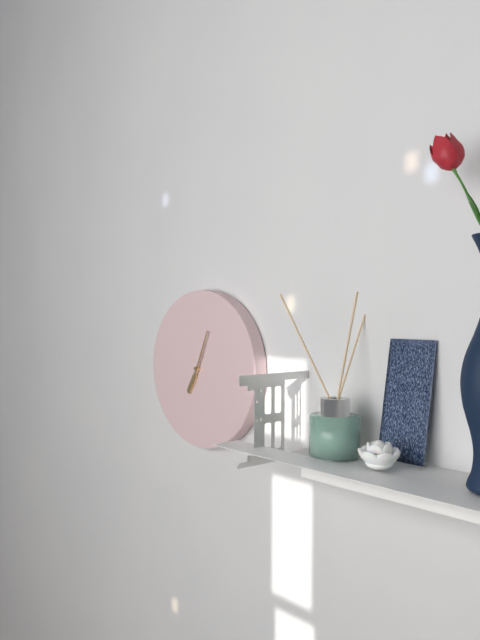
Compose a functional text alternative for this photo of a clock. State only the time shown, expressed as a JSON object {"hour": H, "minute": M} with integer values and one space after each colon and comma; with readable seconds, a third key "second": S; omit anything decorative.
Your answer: {"hour": 7, "minute": 4}
